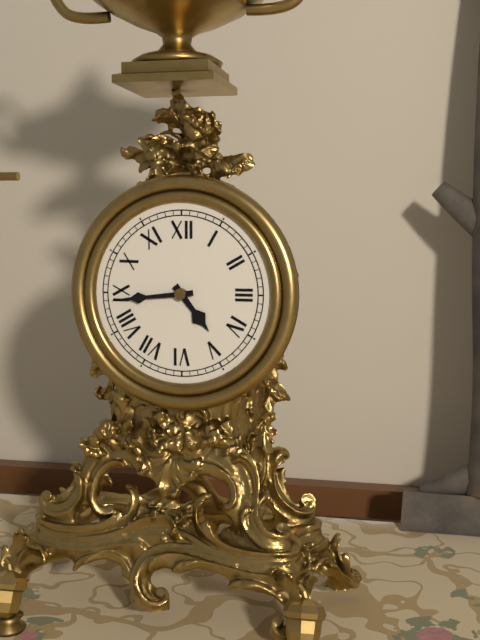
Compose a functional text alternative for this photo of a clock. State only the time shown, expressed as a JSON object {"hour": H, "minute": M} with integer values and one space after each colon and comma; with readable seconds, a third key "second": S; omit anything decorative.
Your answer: {"hour": 4, "minute": 44}
